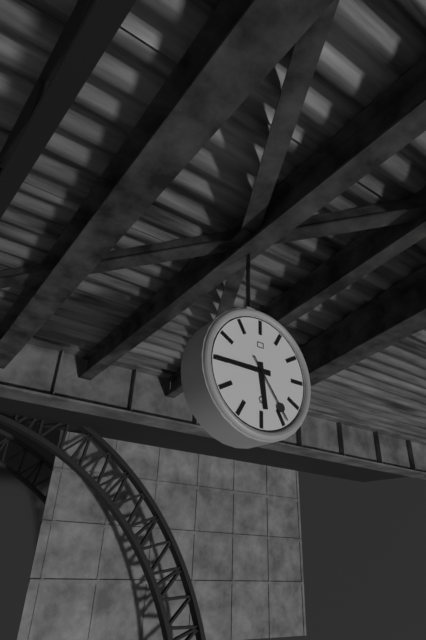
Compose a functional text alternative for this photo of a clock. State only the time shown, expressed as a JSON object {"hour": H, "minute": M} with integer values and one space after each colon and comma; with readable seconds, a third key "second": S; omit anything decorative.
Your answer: {"hour": 5, "minute": 45, "second": 24}
